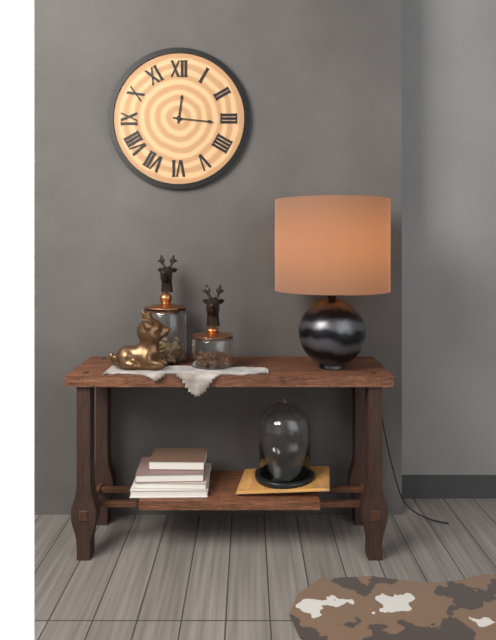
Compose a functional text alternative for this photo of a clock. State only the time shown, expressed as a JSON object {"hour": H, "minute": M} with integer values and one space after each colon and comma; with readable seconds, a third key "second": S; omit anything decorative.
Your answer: {"hour": 12, "minute": 16}
